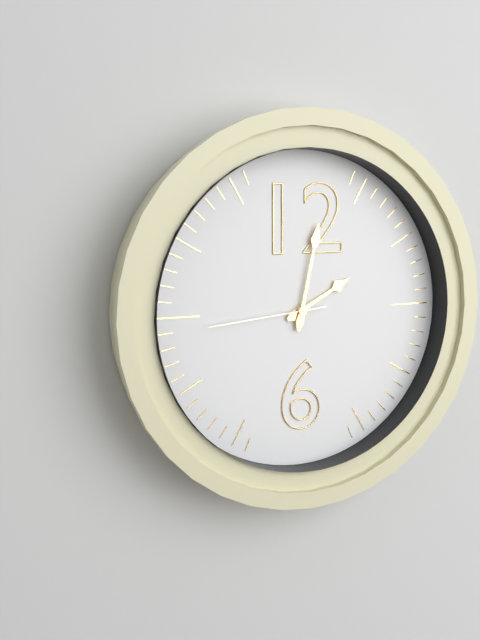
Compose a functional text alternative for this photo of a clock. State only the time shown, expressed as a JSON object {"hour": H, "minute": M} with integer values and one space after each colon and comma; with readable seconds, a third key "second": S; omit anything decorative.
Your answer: {"hour": 2, "minute": 2, "second": 44}
